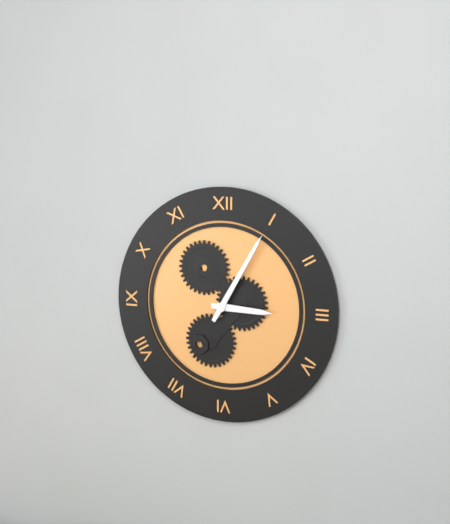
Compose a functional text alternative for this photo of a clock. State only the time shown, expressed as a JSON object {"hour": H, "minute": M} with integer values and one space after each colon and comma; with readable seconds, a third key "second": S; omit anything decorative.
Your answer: {"hour": 3, "minute": 5}
